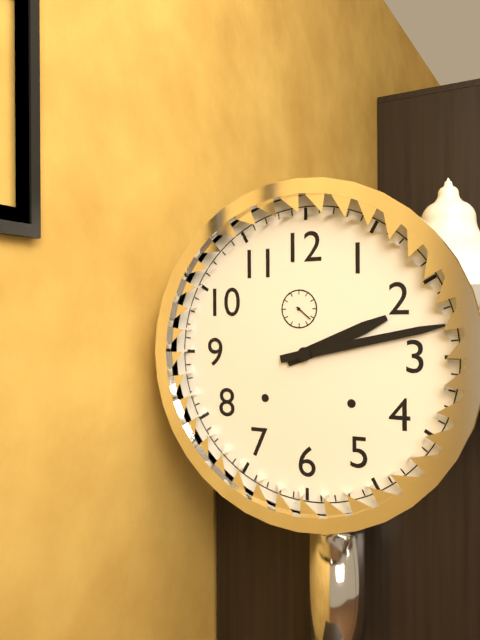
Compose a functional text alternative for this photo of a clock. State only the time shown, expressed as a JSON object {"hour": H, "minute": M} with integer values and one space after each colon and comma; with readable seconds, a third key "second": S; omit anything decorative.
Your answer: {"hour": 2, "minute": 13}
